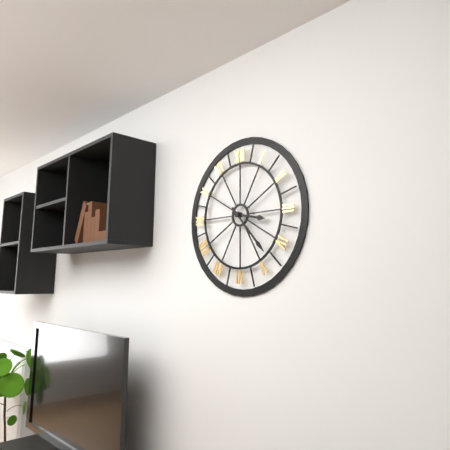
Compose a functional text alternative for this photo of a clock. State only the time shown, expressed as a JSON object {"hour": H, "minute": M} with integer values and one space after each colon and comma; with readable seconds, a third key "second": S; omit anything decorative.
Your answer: {"hour": 3, "minute": 23}
